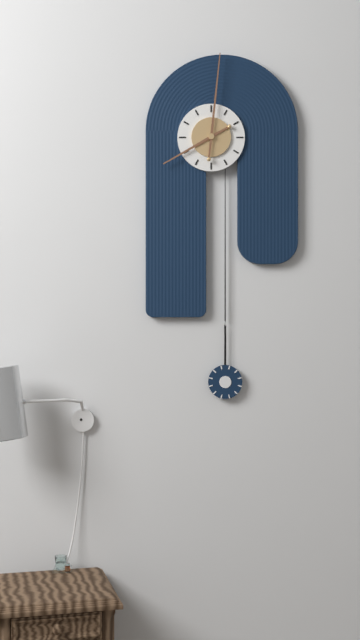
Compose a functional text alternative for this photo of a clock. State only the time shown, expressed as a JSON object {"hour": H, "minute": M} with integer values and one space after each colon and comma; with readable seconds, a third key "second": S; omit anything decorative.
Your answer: {"hour": 8, "minute": 1}
